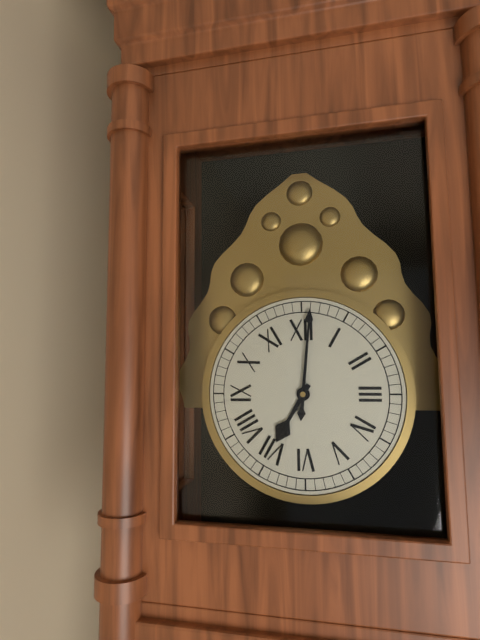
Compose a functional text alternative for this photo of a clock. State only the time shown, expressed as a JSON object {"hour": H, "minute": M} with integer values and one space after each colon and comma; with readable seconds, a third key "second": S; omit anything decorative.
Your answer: {"hour": 7, "minute": 1}
